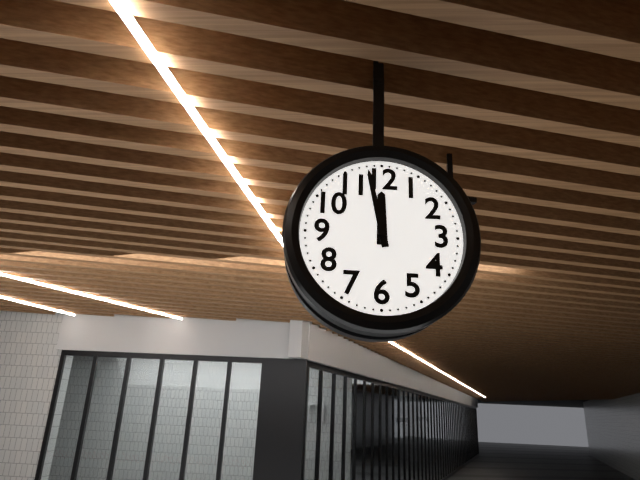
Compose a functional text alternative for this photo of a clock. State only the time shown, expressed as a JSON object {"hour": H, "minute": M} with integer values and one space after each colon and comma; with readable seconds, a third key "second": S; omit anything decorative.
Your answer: {"hour": 11, "minute": 58}
